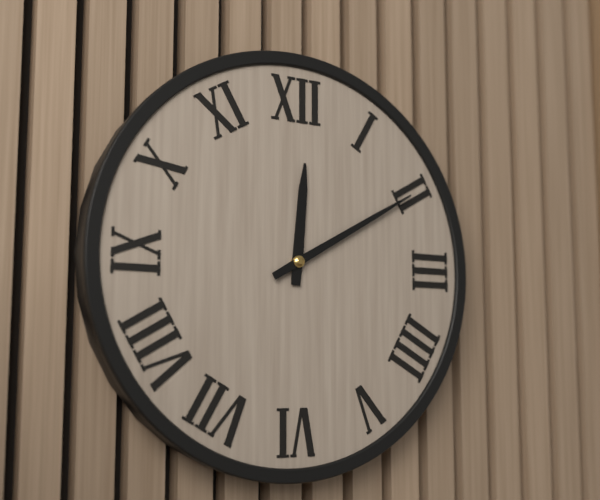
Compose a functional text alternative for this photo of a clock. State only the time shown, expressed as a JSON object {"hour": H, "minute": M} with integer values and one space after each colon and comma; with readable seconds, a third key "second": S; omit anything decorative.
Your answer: {"hour": 12, "minute": 10}
